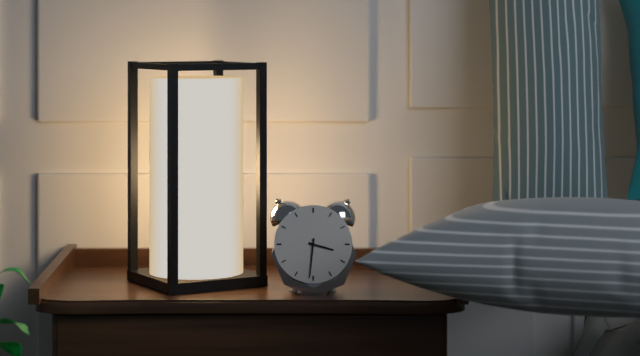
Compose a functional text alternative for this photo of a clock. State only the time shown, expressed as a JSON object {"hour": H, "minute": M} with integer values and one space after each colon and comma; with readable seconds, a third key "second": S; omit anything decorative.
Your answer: {"hour": 3, "minute": 31}
